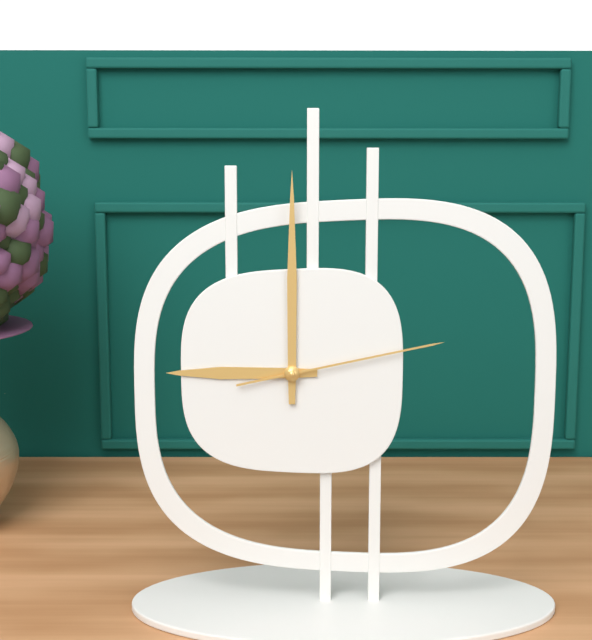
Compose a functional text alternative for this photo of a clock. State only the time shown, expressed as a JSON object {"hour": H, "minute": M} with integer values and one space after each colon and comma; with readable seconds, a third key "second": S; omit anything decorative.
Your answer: {"hour": 9, "minute": 0, "second": 13}
